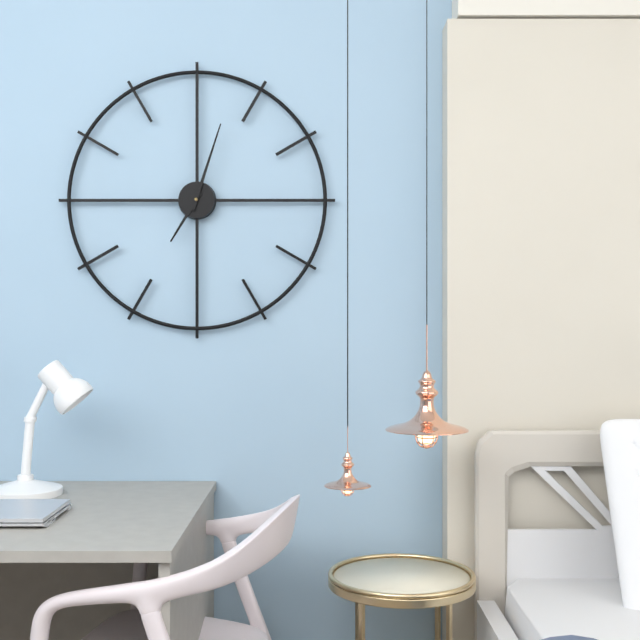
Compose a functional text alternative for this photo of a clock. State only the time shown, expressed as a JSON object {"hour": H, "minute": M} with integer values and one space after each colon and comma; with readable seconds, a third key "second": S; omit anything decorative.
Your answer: {"hour": 7, "minute": 3}
